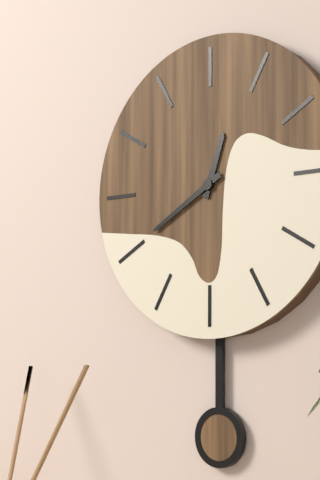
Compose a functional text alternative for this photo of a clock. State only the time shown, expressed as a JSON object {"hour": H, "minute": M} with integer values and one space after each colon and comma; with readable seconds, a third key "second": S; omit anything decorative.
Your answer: {"hour": 12, "minute": 40}
